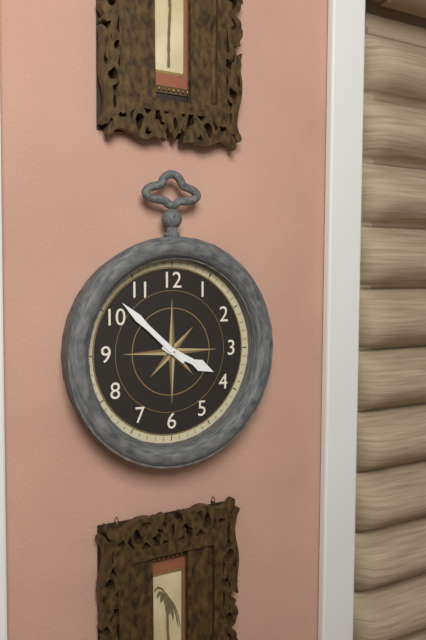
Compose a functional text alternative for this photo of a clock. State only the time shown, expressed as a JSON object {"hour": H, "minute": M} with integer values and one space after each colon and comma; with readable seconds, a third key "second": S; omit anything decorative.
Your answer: {"hour": 3, "minute": 52}
